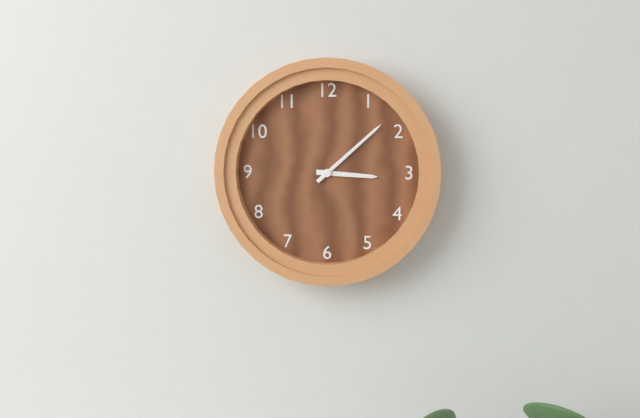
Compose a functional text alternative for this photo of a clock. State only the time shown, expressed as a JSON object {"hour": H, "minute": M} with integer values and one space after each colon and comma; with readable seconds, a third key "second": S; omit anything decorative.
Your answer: {"hour": 3, "minute": 8}
